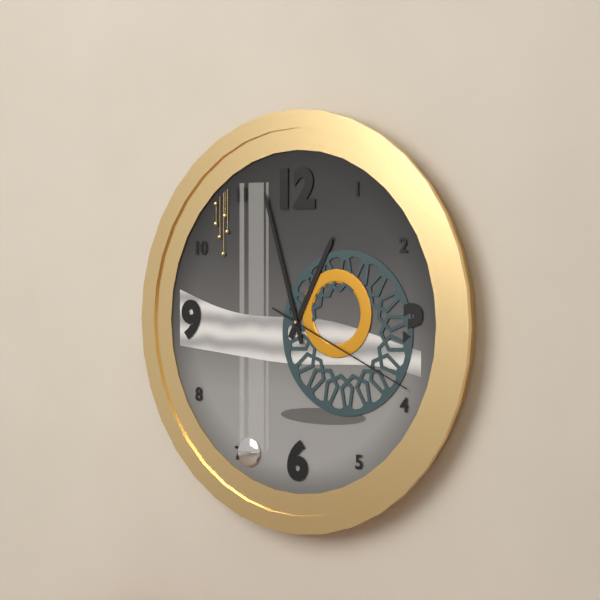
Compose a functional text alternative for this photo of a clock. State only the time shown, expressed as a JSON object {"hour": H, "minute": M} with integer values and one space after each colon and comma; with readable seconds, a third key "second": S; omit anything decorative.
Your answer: {"hour": 12, "minute": 57, "second": 19}
